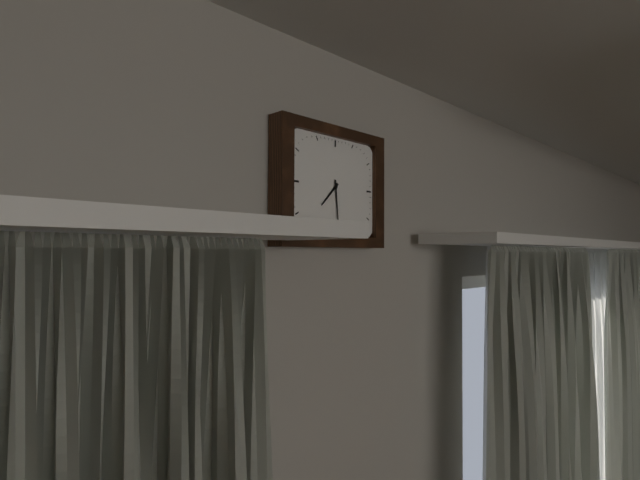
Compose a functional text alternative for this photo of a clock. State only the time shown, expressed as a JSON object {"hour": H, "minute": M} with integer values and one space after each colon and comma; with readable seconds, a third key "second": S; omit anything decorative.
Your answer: {"hour": 7, "minute": 29}
